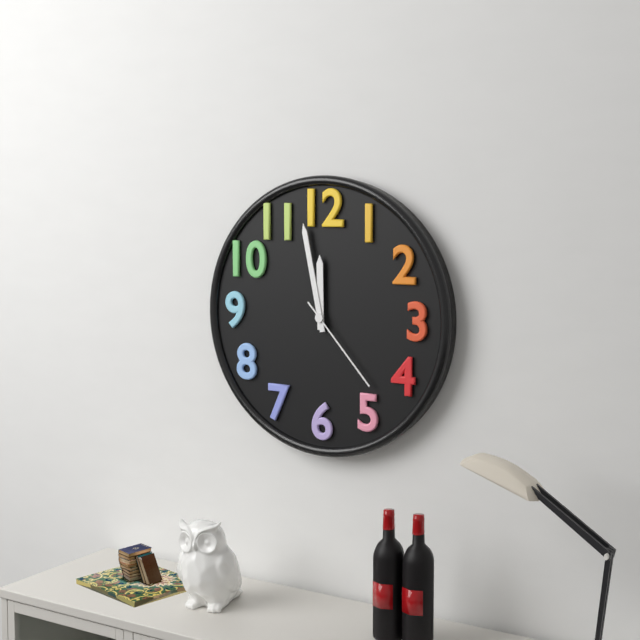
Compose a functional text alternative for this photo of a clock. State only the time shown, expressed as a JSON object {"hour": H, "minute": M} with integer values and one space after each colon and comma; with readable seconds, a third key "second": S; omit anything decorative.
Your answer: {"hour": 11, "minute": 58, "second": 23}
